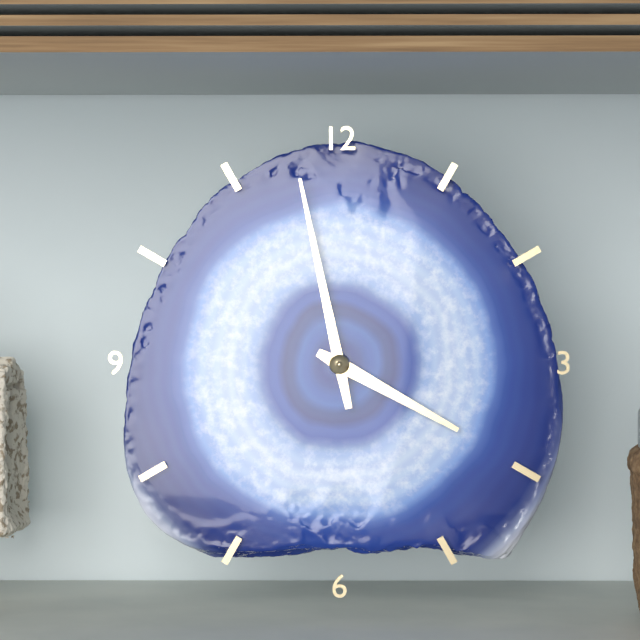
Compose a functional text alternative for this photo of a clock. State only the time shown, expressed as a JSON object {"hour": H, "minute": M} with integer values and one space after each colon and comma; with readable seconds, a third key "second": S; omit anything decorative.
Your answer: {"hour": 3, "minute": 58}
